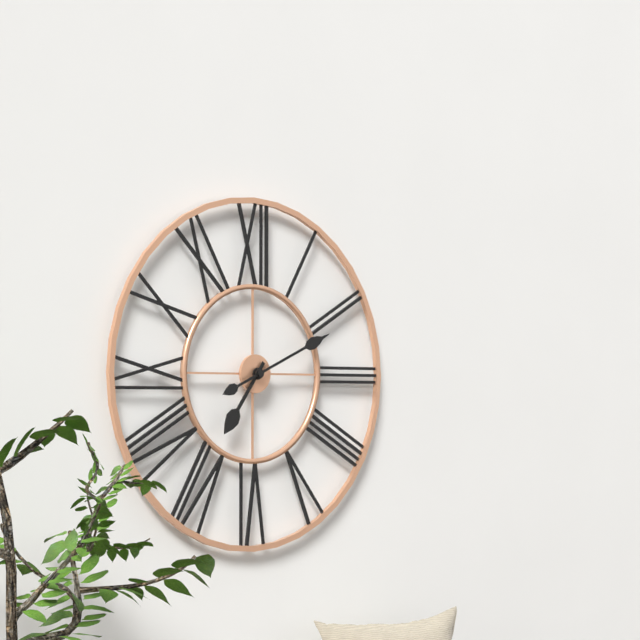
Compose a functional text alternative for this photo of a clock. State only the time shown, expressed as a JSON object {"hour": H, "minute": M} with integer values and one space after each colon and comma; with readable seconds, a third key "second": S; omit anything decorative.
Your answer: {"hour": 7, "minute": 11}
